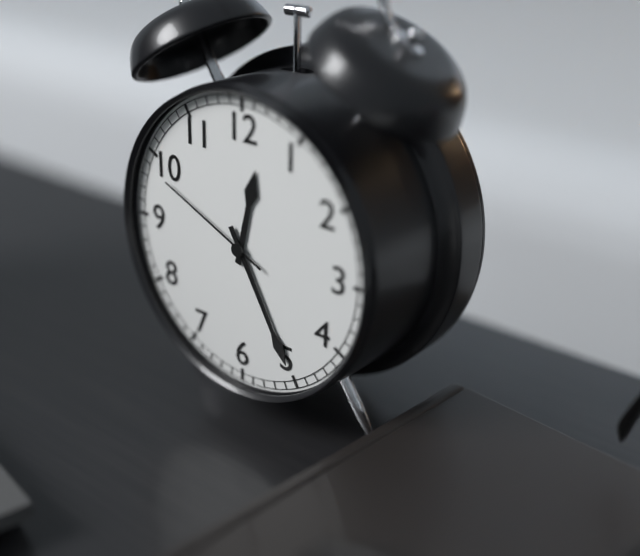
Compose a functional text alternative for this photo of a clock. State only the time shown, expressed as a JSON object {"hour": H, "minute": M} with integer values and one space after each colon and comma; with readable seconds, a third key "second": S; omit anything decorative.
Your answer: {"hour": 12, "minute": 25, "second": 49}
